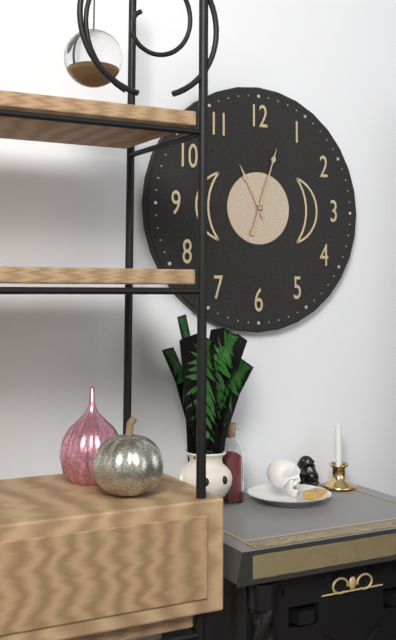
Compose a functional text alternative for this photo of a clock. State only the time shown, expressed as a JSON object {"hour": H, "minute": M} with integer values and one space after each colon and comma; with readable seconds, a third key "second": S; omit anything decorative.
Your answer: {"hour": 11, "minute": 3}
